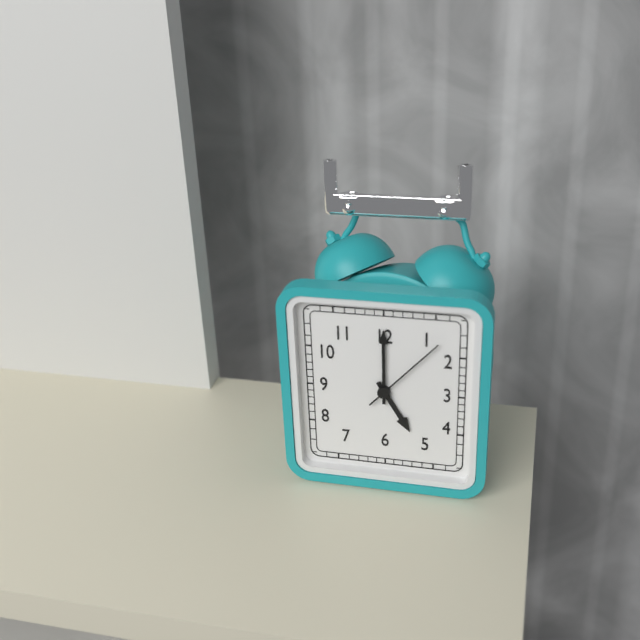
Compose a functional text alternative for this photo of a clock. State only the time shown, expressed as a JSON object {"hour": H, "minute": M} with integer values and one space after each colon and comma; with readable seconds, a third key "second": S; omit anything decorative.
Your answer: {"hour": 5, "minute": 0, "second": 7}
